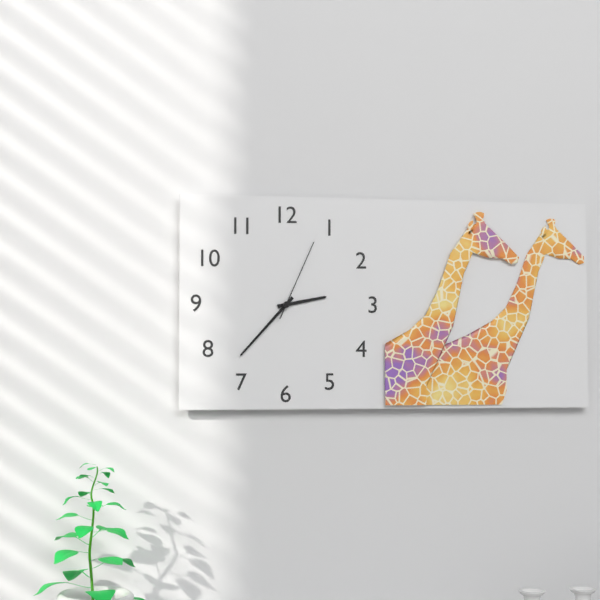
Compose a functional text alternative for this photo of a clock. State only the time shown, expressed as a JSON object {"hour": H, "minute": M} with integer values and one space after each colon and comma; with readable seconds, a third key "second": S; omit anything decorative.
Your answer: {"hour": 2, "minute": 37, "second": 4}
